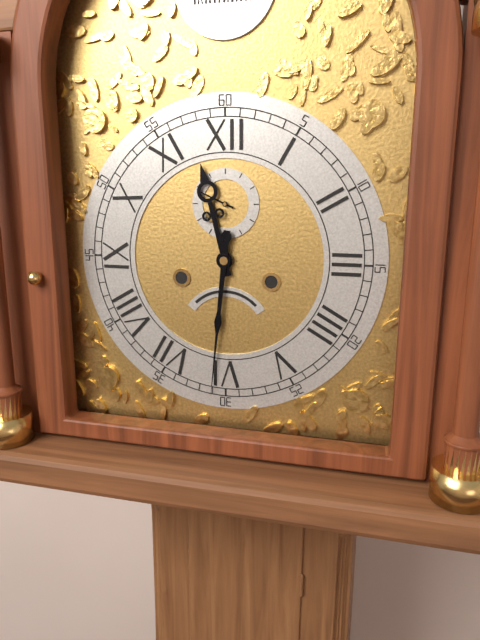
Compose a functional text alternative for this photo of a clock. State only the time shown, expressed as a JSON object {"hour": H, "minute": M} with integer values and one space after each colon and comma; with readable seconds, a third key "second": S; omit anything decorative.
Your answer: {"hour": 11, "minute": 31}
